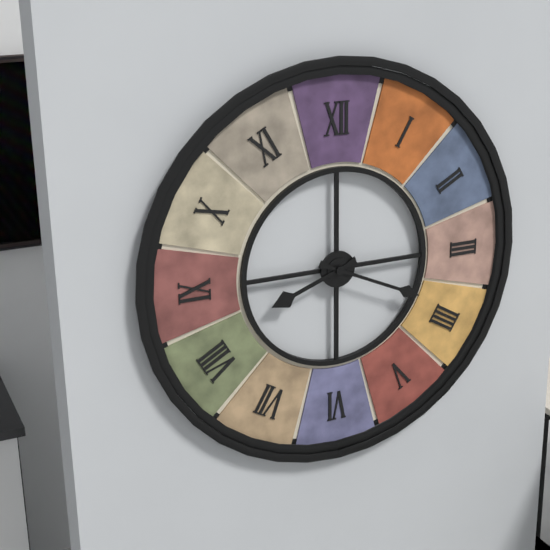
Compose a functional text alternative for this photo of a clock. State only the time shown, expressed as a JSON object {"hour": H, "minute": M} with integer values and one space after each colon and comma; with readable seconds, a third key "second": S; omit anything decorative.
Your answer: {"hour": 8, "minute": 19}
